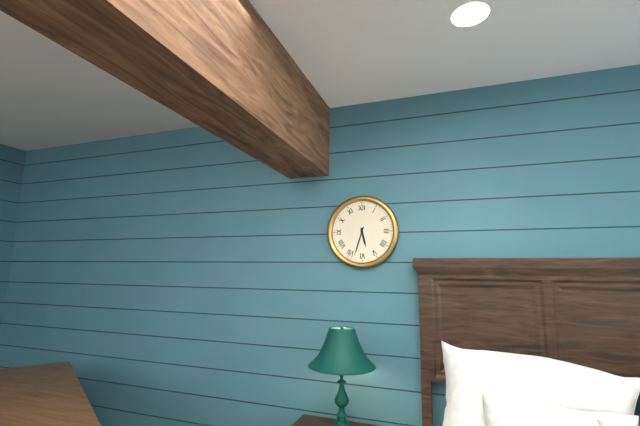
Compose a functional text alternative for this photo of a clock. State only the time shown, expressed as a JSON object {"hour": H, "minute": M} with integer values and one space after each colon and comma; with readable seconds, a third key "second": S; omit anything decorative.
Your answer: {"hour": 5, "minute": 33}
